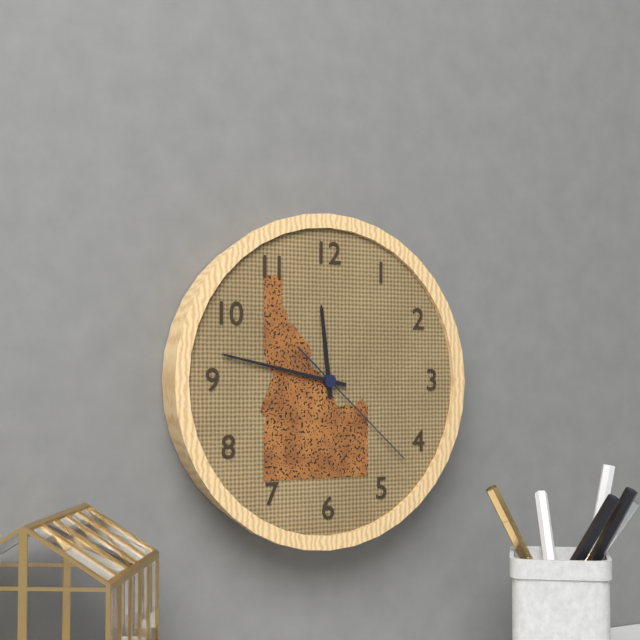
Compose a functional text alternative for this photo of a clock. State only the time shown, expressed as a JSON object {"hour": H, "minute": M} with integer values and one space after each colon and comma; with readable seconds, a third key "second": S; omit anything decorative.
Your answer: {"hour": 11, "minute": 47, "second": 22}
